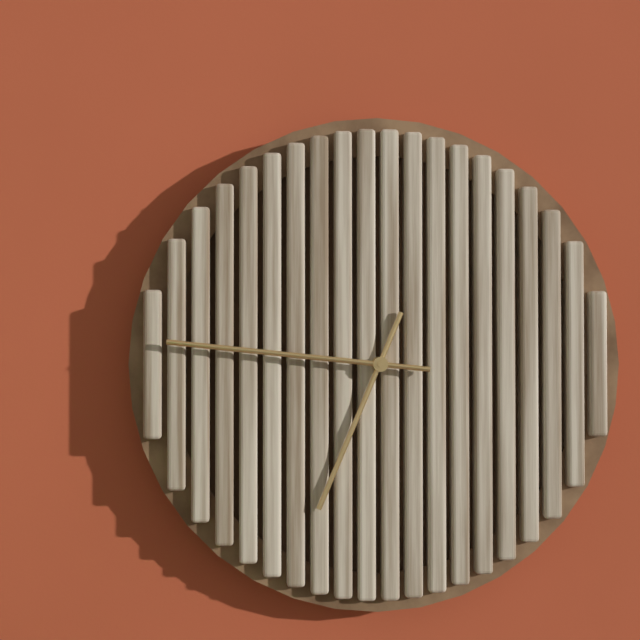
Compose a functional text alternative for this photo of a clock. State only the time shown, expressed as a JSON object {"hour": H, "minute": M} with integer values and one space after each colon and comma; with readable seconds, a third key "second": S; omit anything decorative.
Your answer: {"hour": 6, "minute": 46}
